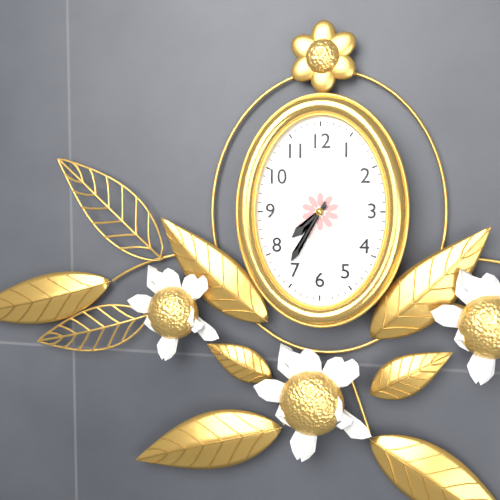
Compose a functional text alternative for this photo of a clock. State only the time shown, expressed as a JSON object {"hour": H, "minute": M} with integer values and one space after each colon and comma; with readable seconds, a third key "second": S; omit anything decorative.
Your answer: {"hour": 7, "minute": 35}
